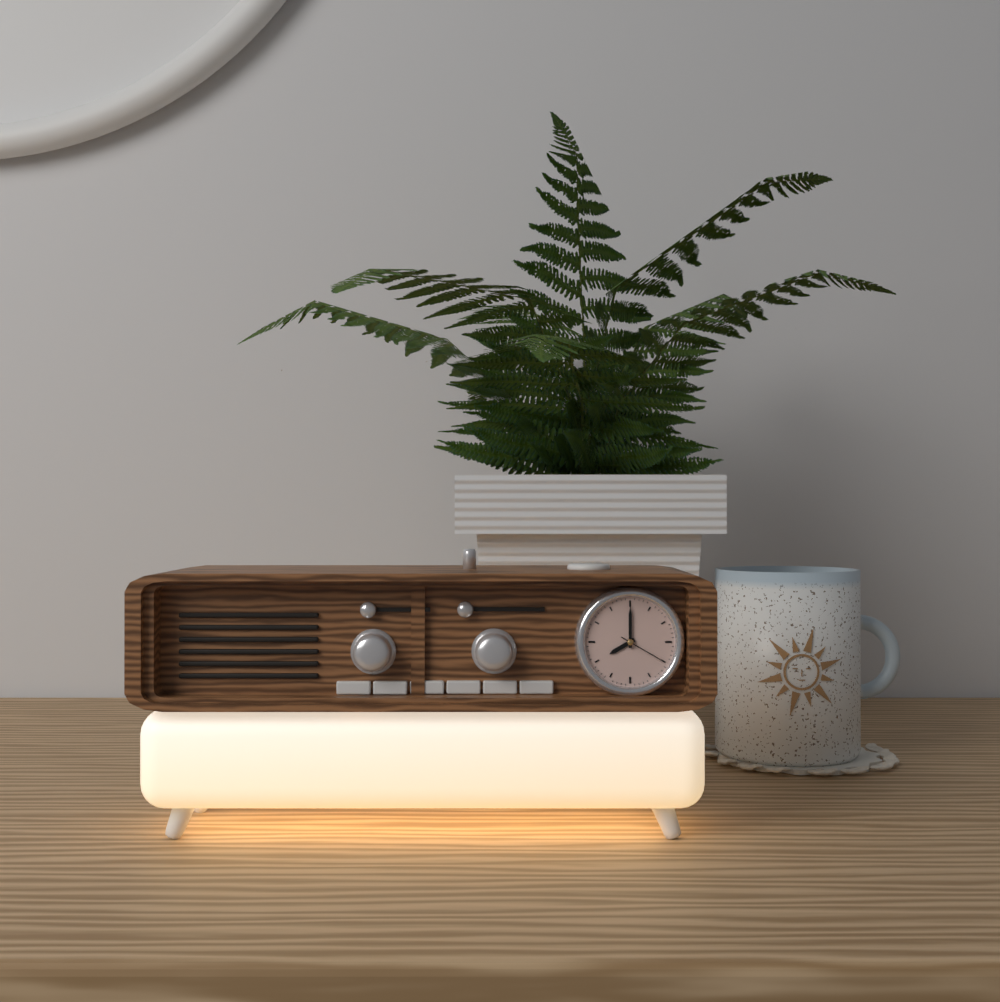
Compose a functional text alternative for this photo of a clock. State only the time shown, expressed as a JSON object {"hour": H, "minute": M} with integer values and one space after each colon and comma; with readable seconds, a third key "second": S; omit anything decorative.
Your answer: {"hour": 8, "minute": 0}
